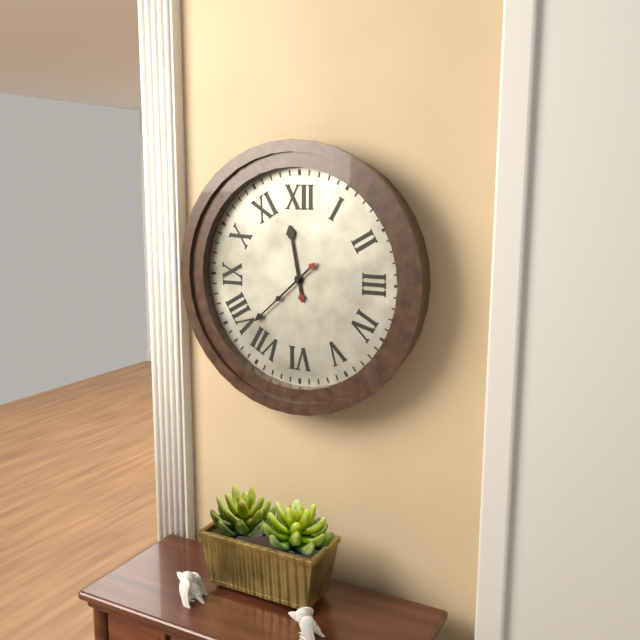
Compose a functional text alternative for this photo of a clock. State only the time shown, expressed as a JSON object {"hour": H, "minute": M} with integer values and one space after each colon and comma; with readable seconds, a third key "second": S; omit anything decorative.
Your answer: {"hour": 11, "minute": 38}
